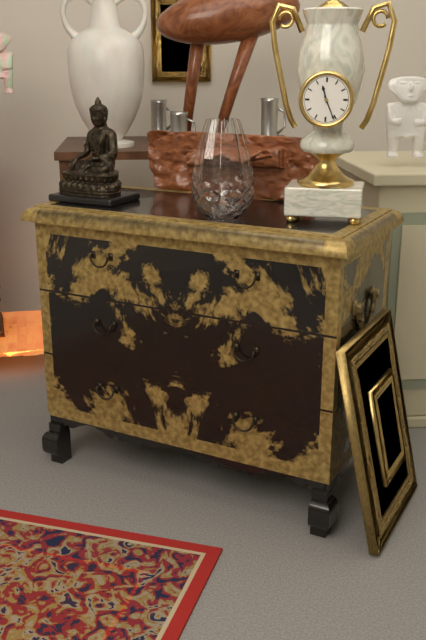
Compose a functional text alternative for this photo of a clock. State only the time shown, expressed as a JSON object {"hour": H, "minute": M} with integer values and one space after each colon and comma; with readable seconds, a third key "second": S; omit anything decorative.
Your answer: {"hour": 11, "minute": 26}
